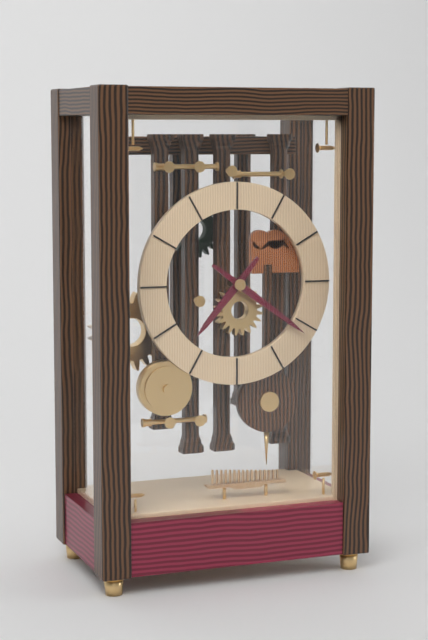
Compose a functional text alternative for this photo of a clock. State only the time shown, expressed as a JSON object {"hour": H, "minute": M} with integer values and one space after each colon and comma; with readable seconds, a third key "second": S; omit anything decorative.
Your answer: {"hour": 7, "minute": 21}
